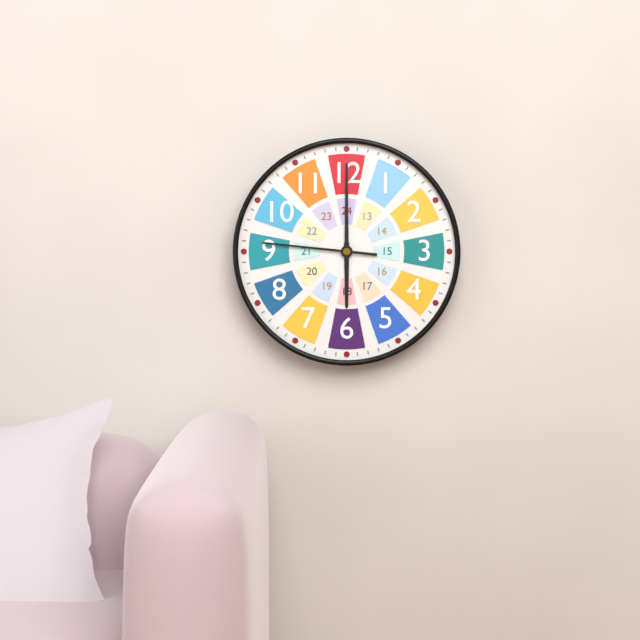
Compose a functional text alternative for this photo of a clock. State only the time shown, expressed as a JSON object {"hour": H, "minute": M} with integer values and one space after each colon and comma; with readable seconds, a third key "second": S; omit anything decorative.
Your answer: {"hour": 6, "minute": 0, "second": 46}
